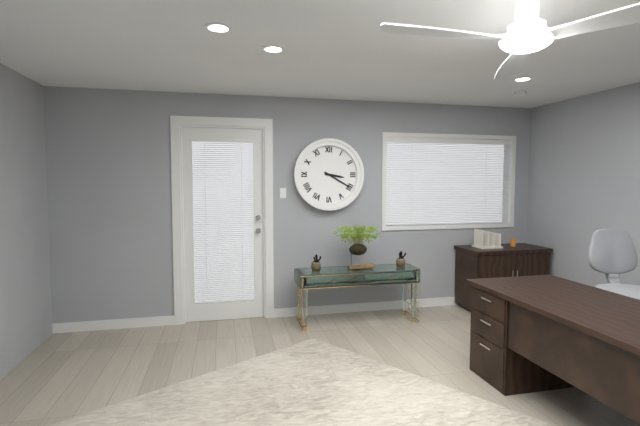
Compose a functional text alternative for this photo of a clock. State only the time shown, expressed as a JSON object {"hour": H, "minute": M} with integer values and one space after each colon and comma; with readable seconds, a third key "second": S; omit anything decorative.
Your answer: {"hour": 3, "minute": 20}
